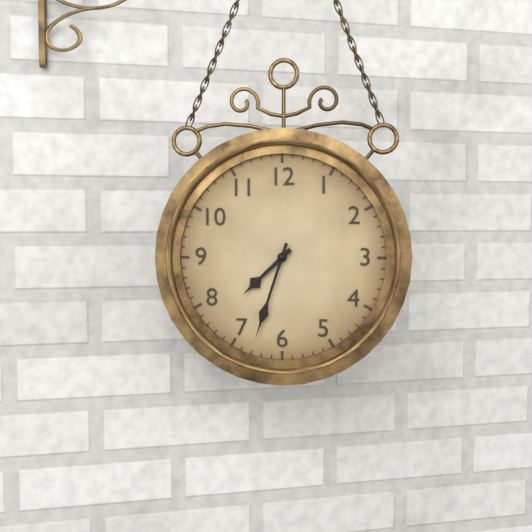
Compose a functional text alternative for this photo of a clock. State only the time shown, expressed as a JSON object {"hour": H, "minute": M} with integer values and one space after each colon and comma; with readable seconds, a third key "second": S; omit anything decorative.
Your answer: {"hour": 7, "minute": 33}
